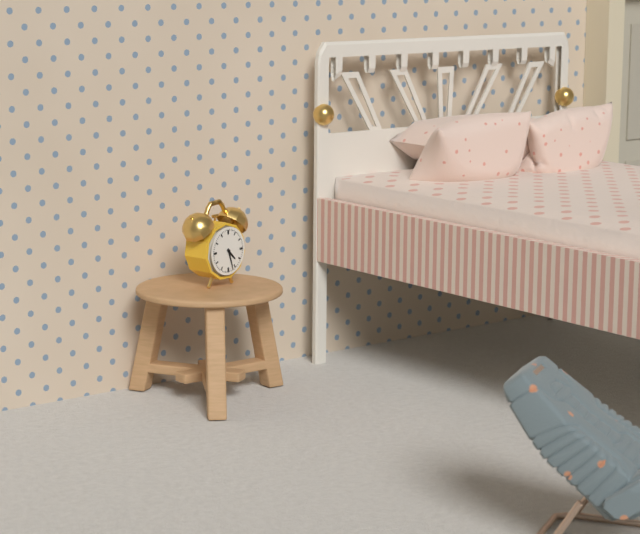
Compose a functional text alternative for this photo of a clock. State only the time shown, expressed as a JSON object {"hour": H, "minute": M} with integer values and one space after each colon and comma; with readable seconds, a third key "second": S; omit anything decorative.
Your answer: {"hour": 4, "minute": 27}
